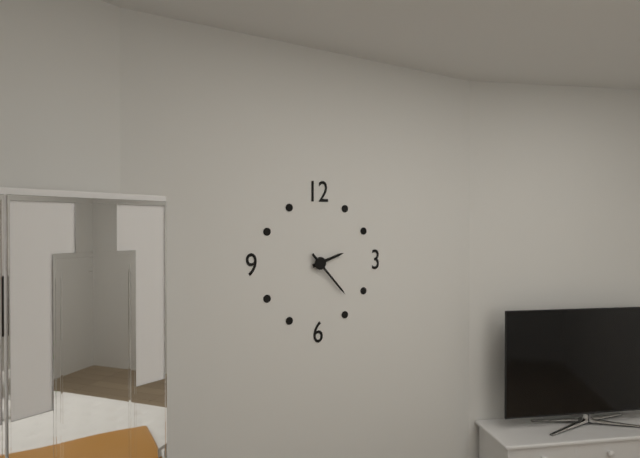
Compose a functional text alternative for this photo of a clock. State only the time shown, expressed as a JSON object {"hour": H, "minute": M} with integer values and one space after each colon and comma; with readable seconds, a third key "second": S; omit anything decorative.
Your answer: {"hour": 2, "minute": 23}
